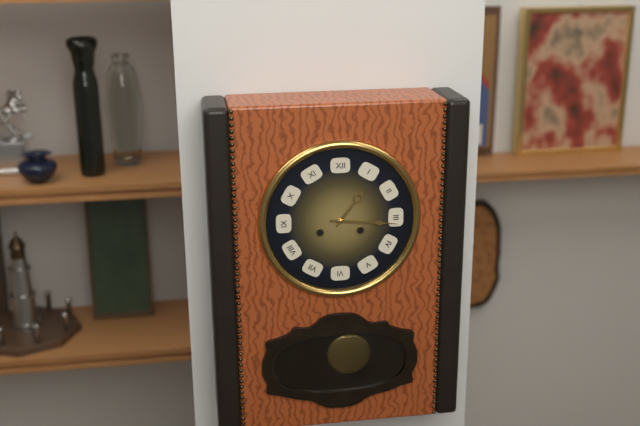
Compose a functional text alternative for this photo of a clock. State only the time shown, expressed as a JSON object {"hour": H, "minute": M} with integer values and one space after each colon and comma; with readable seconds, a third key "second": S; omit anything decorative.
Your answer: {"hour": 1, "minute": 16}
